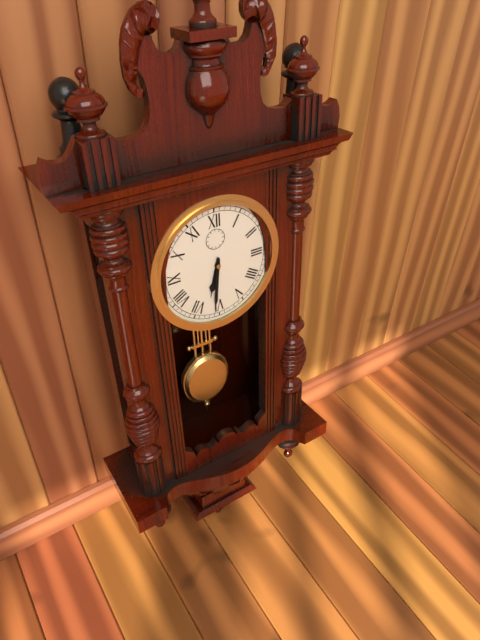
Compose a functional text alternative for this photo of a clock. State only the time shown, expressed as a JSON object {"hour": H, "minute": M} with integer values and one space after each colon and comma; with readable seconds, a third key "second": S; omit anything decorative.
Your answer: {"hour": 6, "minute": 31}
